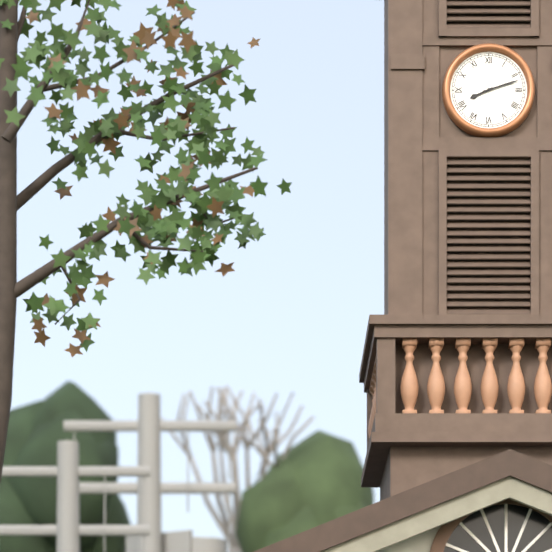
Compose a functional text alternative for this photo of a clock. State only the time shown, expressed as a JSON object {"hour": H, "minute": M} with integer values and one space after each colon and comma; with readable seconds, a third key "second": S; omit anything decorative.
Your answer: {"hour": 8, "minute": 12}
